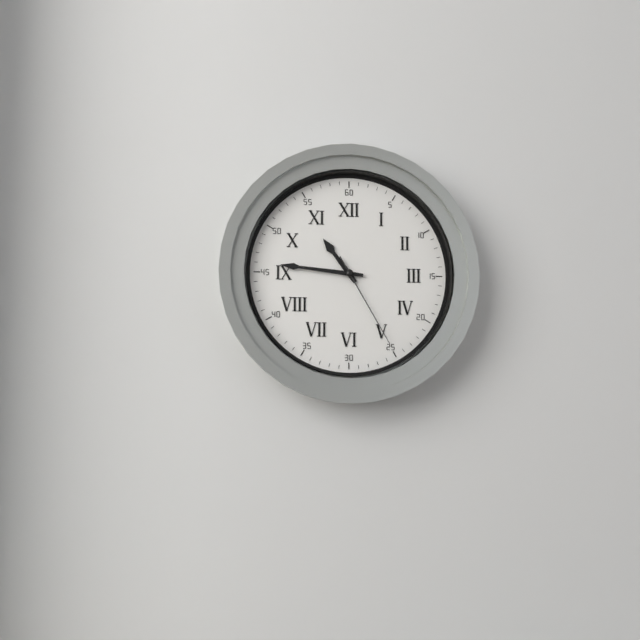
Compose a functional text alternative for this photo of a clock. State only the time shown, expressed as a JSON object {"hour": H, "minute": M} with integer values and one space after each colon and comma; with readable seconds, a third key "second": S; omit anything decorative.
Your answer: {"hour": 10, "minute": 46, "second": 25}
